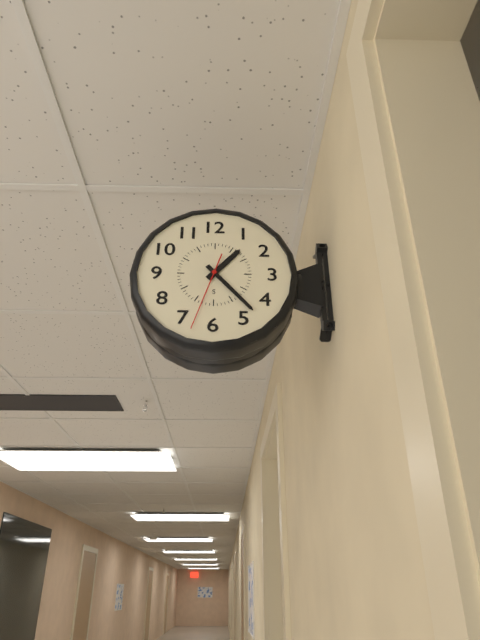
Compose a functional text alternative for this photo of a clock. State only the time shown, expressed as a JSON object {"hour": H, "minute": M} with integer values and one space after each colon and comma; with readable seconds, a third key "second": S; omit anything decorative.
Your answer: {"hour": 1, "minute": 23, "second": 33}
